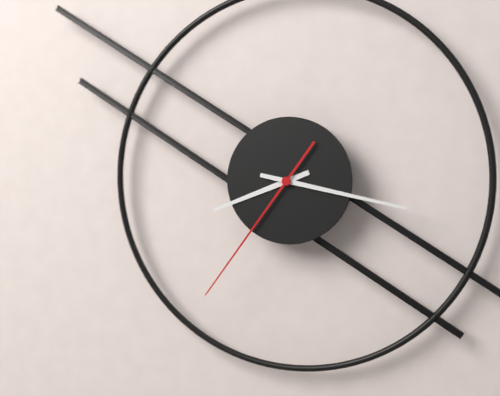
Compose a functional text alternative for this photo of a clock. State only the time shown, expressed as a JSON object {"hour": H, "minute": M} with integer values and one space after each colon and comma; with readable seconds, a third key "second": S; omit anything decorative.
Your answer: {"hour": 8, "minute": 17, "second": 36}
